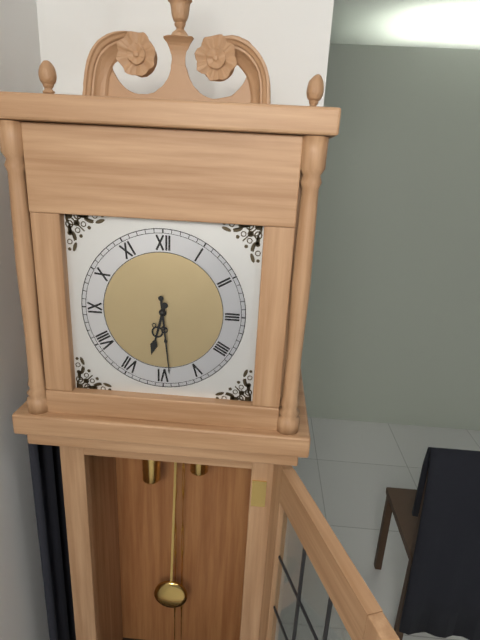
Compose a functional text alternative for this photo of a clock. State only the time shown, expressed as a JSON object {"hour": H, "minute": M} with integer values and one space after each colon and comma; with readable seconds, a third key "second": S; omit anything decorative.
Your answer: {"hour": 6, "minute": 29}
